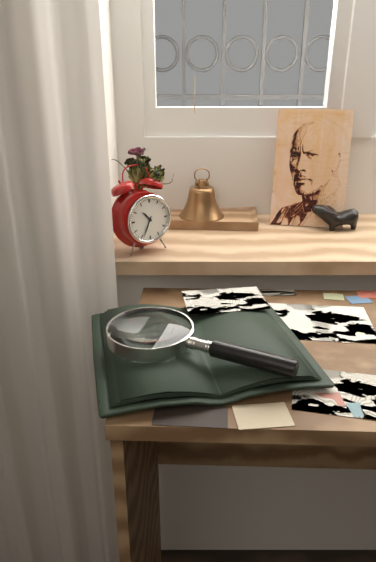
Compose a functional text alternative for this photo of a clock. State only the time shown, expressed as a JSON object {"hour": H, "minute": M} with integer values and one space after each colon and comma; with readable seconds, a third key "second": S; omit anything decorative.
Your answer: {"hour": 10, "minute": 34}
